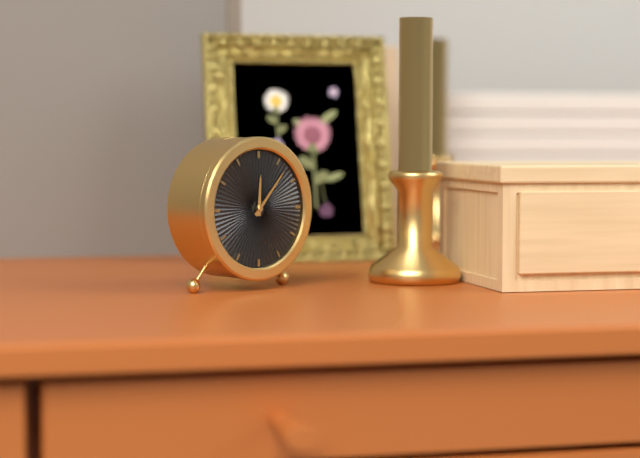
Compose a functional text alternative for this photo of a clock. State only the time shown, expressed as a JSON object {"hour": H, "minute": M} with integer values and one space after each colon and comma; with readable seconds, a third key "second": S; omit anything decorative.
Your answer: {"hour": 12, "minute": 7}
